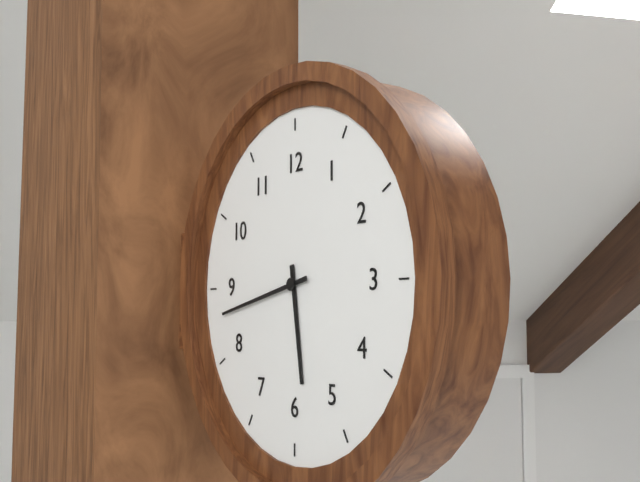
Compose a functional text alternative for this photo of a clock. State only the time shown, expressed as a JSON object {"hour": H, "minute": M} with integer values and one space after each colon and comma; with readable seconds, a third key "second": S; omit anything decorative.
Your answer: {"hour": 5, "minute": 43}
